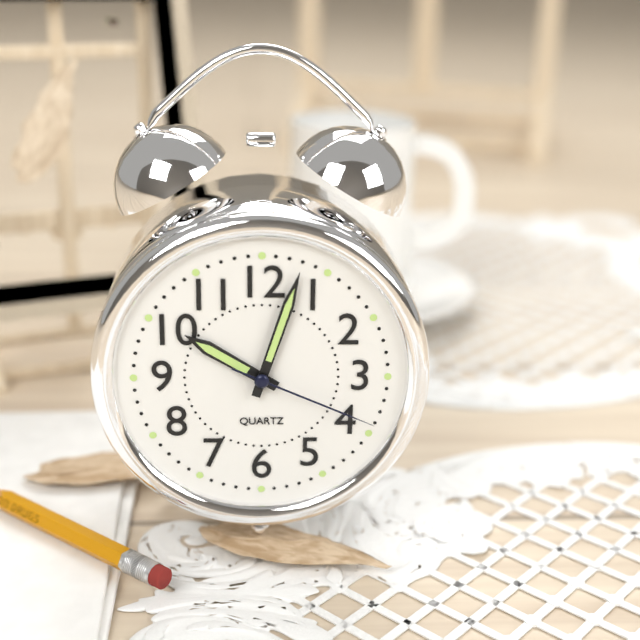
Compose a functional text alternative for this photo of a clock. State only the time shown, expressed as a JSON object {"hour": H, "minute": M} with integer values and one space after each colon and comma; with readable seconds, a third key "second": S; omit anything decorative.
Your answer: {"hour": 10, "minute": 3, "second": 19}
